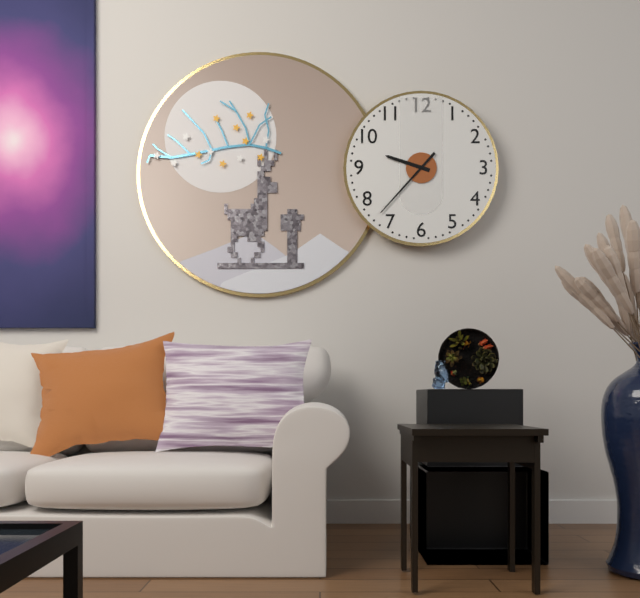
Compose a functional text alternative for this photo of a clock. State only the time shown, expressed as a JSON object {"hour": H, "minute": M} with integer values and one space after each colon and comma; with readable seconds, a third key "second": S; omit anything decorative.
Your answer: {"hour": 9, "minute": 37}
